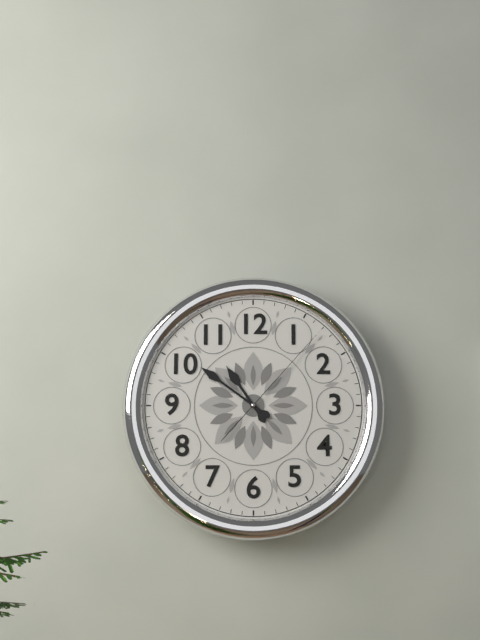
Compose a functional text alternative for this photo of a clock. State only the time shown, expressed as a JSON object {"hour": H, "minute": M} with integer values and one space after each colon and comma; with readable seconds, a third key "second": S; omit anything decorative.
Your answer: {"hour": 10, "minute": 51, "second": 7}
